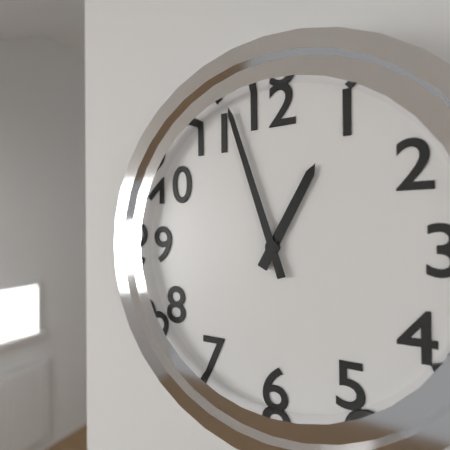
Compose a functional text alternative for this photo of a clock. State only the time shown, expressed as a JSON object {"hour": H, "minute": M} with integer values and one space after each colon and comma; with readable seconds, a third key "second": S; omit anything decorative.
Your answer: {"hour": 12, "minute": 57}
